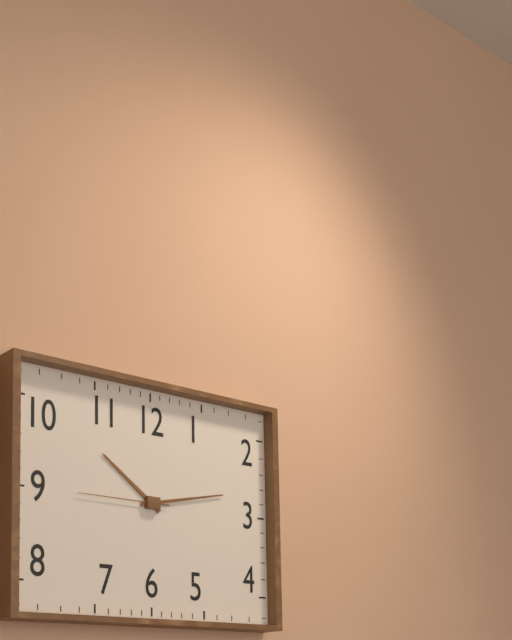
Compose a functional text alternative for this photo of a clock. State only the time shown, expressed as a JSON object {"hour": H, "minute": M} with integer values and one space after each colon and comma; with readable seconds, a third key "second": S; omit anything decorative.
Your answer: {"hour": 10, "minute": 13, "second": 45}
